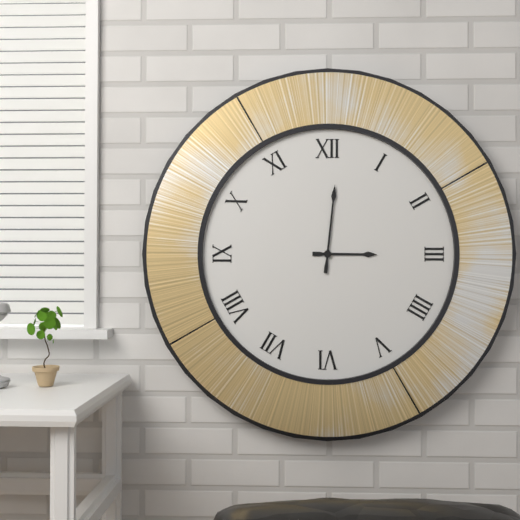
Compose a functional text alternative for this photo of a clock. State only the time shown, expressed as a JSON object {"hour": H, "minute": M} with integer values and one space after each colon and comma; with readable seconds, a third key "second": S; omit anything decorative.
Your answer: {"hour": 3, "minute": 1}
